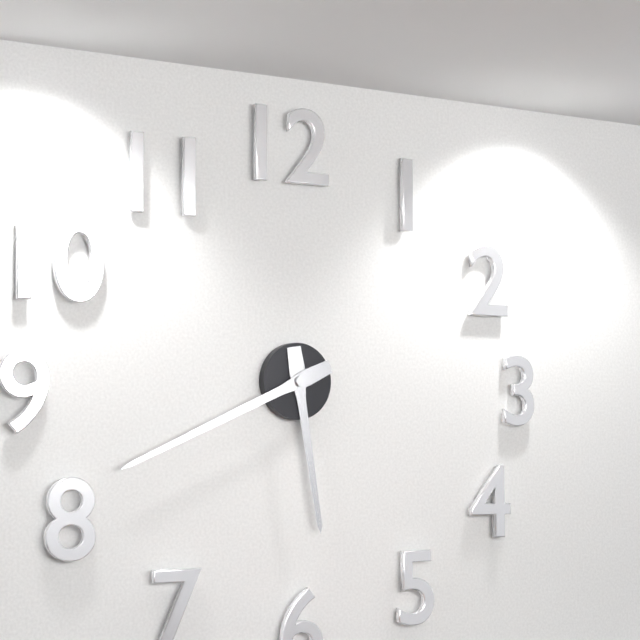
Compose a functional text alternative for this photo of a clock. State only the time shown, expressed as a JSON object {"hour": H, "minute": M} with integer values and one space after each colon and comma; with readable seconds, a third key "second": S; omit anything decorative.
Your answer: {"hour": 5, "minute": 41}
